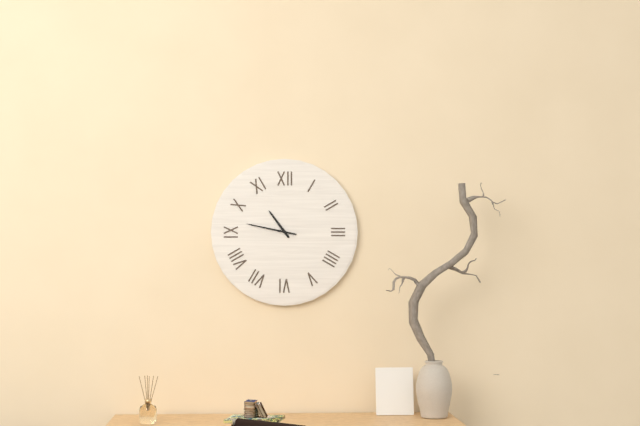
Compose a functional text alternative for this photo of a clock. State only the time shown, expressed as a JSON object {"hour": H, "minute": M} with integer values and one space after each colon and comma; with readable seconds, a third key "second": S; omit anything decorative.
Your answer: {"hour": 10, "minute": 47}
